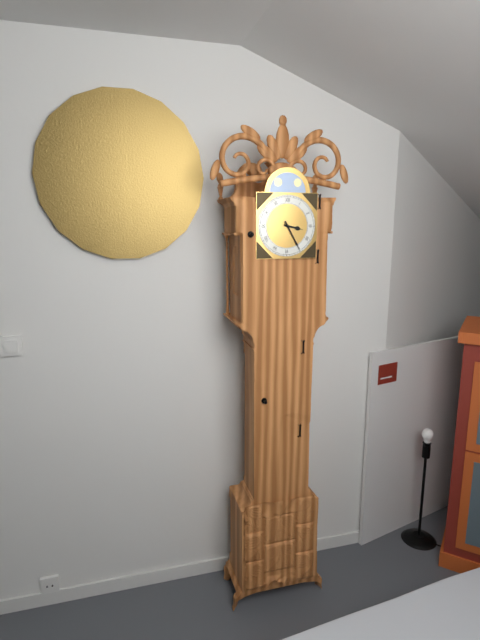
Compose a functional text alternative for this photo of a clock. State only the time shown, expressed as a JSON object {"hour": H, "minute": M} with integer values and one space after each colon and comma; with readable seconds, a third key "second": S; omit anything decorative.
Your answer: {"hour": 3, "minute": 25}
